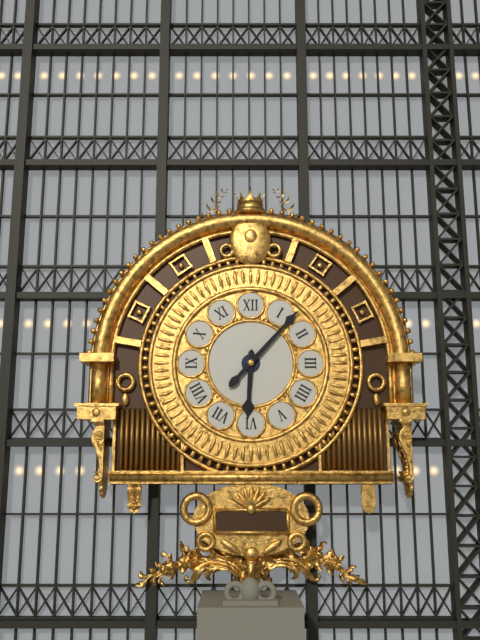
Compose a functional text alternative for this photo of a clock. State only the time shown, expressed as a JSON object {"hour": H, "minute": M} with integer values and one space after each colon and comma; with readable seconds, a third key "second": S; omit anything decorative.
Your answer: {"hour": 6, "minute": 7}
